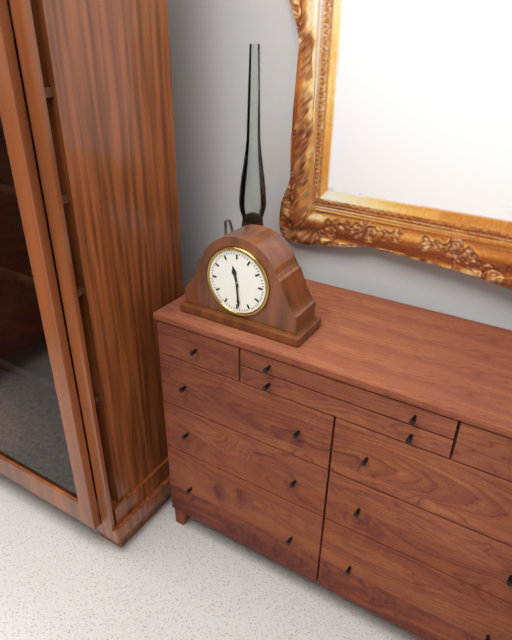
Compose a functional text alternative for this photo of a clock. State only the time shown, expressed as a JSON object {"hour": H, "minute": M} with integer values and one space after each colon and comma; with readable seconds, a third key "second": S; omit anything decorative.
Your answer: {"hour": 11, "minute": 29}
